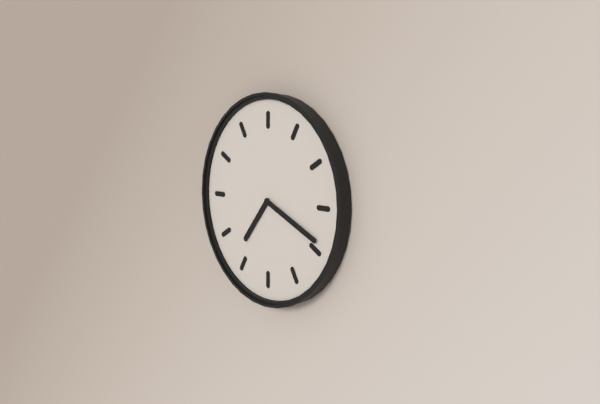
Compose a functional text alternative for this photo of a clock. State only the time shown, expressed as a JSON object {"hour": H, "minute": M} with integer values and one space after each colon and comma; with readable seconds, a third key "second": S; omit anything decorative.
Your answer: {"hour": 7, "minute": 19}
